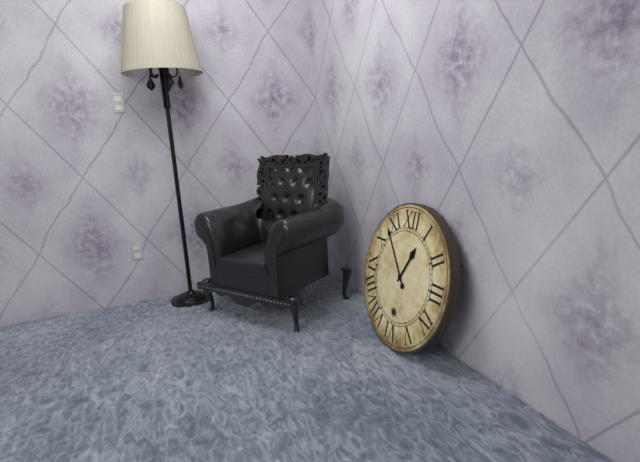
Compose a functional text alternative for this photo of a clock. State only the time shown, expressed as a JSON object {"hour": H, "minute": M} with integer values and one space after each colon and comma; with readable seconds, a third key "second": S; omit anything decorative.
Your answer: {"hour": 12, "minute": 53}
